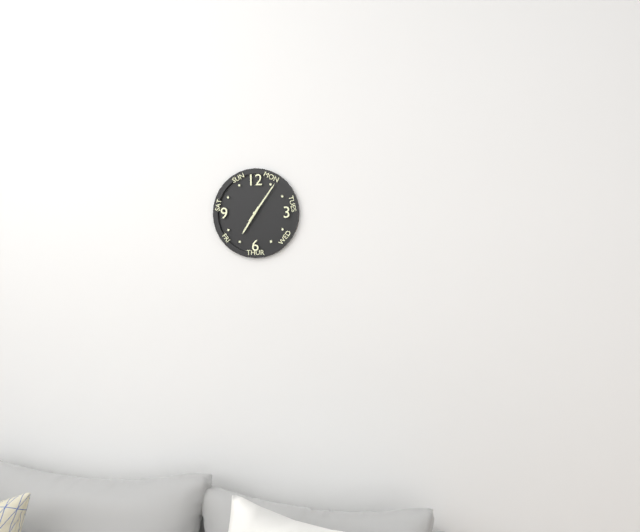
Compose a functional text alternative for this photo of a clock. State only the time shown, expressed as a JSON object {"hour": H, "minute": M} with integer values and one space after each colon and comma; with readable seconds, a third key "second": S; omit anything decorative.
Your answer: {"hour": 7, "minute": 6}
